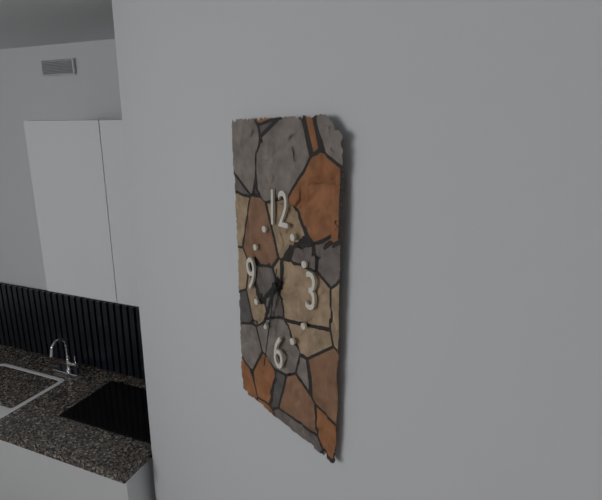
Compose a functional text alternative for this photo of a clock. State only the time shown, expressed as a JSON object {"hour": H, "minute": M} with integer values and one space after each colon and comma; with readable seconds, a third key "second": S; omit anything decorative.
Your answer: {"hour": 7, "minute": 34, "second": 32}
